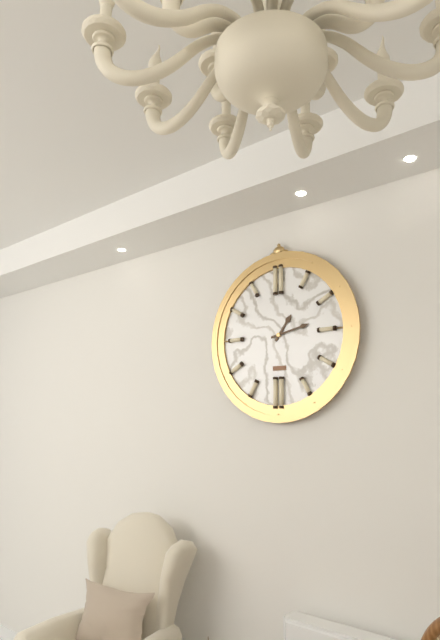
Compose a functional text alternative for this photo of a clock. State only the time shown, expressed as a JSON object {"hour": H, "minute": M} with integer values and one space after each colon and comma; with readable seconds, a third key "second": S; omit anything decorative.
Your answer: {"hour": 1, "minute": 13}
